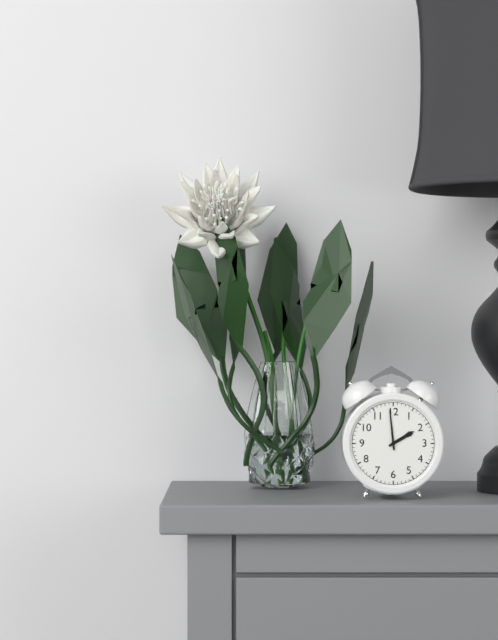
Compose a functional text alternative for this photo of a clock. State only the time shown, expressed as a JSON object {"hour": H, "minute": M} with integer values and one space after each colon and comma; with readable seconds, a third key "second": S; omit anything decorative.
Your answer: {"hour": 1, "minute": 59}
